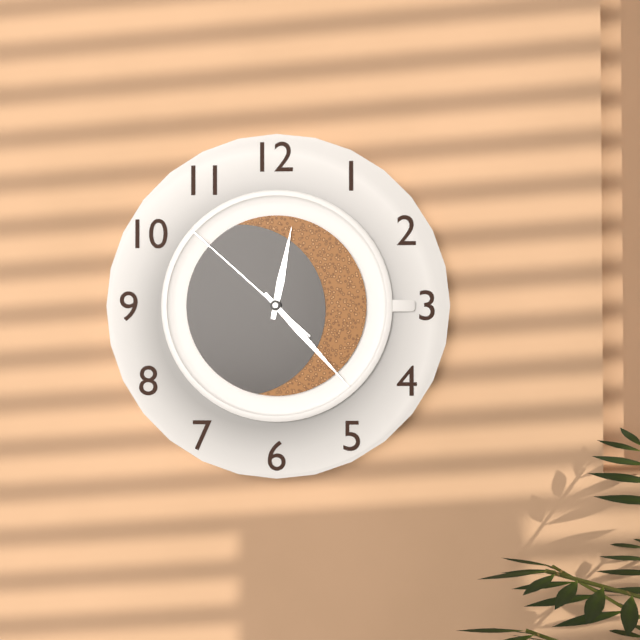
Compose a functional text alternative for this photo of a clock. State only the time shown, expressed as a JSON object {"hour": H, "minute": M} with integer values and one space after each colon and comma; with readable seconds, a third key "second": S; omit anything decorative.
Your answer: {"hour": 12, "minute": 23, "second": 52}
